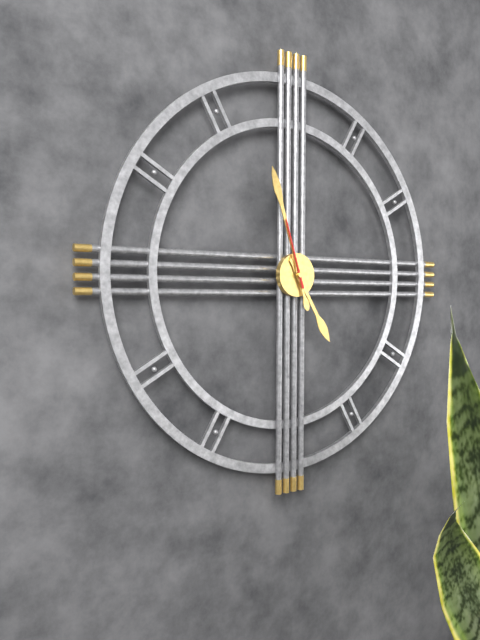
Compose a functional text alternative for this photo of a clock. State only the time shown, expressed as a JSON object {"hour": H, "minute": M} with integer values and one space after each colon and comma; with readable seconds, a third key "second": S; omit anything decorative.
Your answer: {"hour": 4, "minute": 57, "second": 57}
